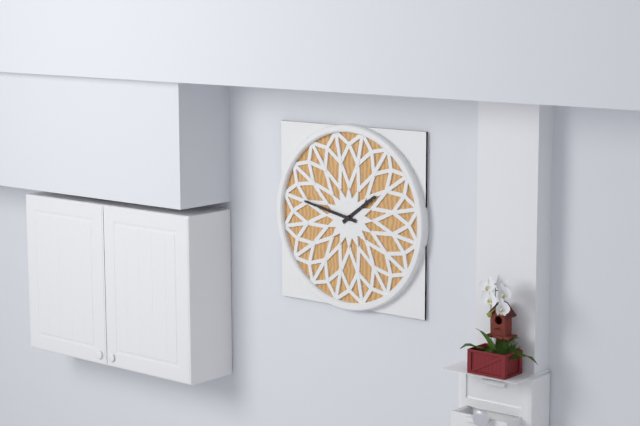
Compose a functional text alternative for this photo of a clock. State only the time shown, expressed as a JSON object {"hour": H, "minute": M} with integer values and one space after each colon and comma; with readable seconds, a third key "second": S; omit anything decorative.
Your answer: {"hour": 1, "minute": 47}
